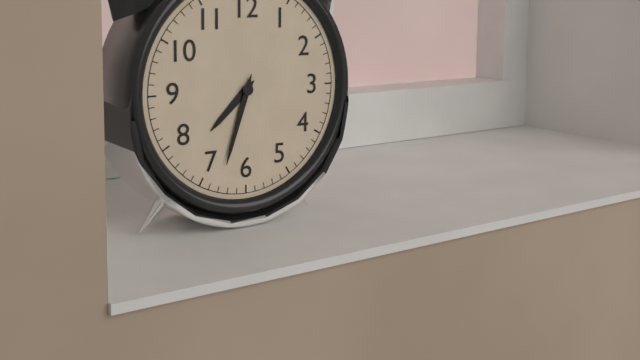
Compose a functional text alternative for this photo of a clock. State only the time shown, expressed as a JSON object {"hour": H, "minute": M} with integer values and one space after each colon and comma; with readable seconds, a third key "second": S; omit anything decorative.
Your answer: {"hour": 7, "minute": 33}
